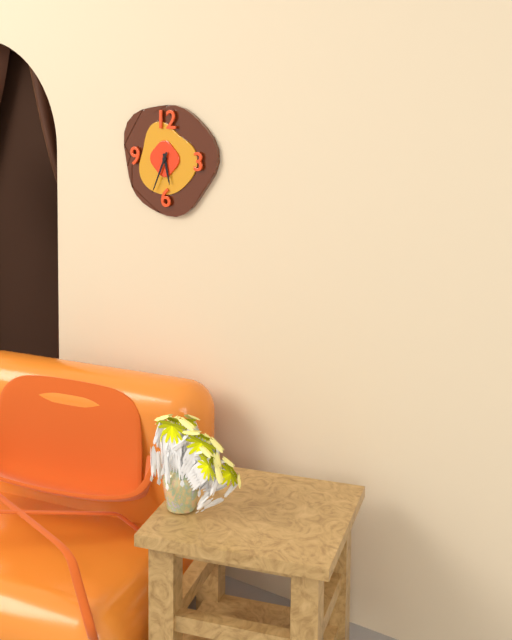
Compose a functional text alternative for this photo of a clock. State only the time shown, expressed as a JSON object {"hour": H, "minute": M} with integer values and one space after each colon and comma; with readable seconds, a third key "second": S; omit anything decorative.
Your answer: {"hour": 5, "minute": 34}
